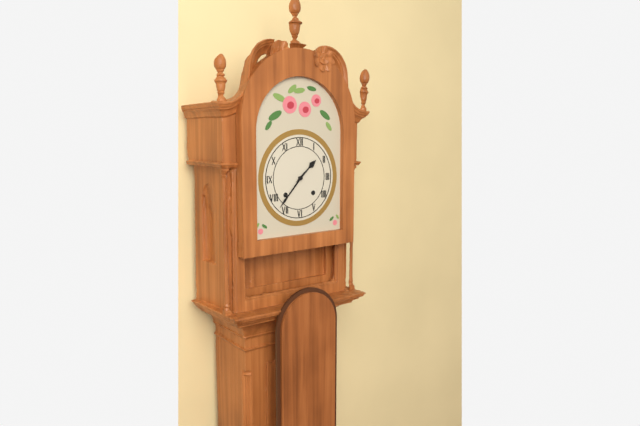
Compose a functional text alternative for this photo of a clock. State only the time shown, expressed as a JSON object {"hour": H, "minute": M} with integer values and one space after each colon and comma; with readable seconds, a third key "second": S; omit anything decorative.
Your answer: {"hour": 1, "minute": 37}
